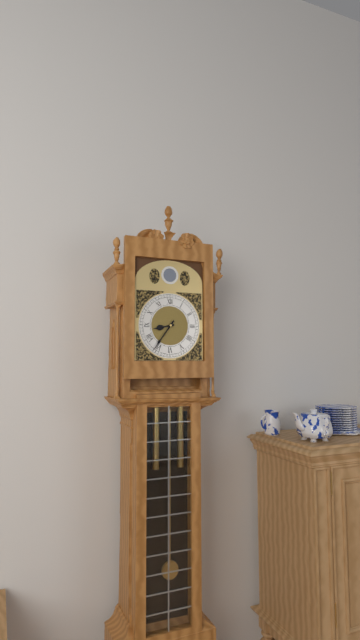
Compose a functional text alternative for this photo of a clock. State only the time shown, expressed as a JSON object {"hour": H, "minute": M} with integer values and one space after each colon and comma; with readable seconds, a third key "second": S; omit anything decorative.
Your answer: {"hour": 8, "minute": 36}
